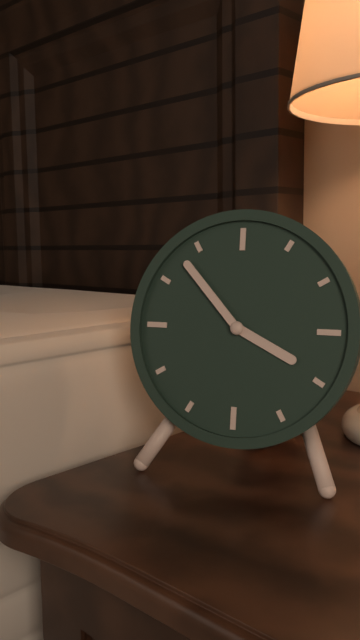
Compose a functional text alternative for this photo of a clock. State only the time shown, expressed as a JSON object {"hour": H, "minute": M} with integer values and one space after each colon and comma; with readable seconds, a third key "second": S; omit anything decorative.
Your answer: {"hour": 3, "minute": 53}
